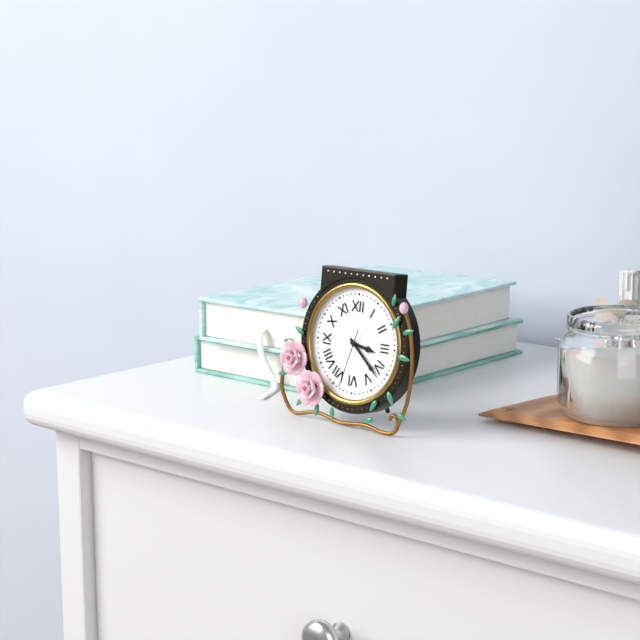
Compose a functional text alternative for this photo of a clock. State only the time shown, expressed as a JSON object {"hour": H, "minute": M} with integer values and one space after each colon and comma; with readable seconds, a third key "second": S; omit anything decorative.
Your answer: {"hour": 3, "minute": 22, "second": 33}
